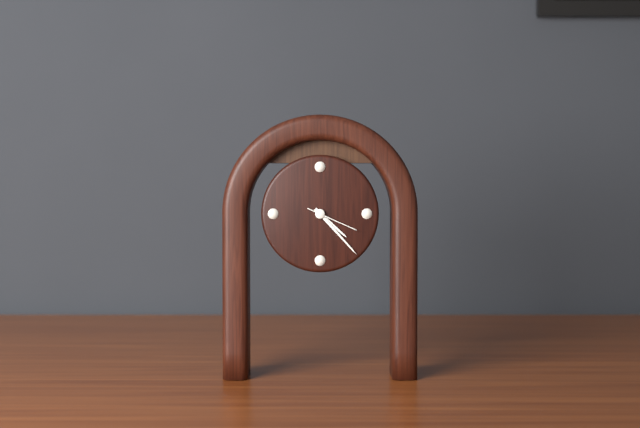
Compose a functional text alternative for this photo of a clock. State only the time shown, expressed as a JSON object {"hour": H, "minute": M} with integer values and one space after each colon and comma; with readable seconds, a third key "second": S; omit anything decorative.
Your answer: {"hour": 4, "minute": 23, "second": 19}
